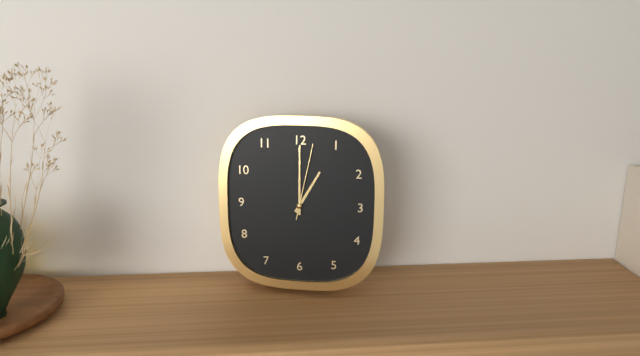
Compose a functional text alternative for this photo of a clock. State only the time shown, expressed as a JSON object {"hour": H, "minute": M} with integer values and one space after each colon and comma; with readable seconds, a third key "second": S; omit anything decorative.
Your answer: {"hour": 1, "minute": 0, "second": 2}
